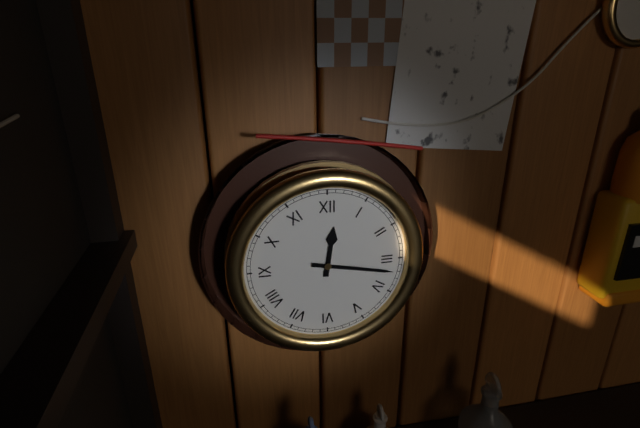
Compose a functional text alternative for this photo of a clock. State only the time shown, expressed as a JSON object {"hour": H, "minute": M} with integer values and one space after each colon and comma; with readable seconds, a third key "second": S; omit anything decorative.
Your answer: {"hour": 12, "minute": 17}
